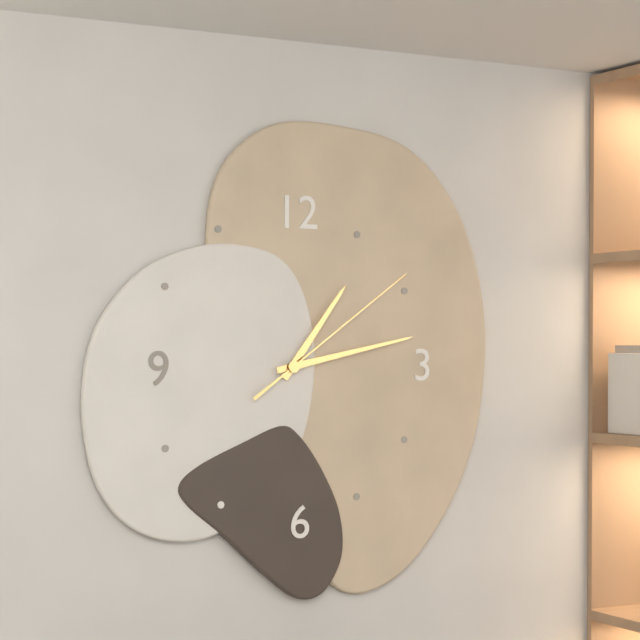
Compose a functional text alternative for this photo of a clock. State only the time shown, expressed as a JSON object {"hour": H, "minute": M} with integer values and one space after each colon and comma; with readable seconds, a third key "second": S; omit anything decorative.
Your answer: {"hour": 1, "minute": 13, "second": 9}
